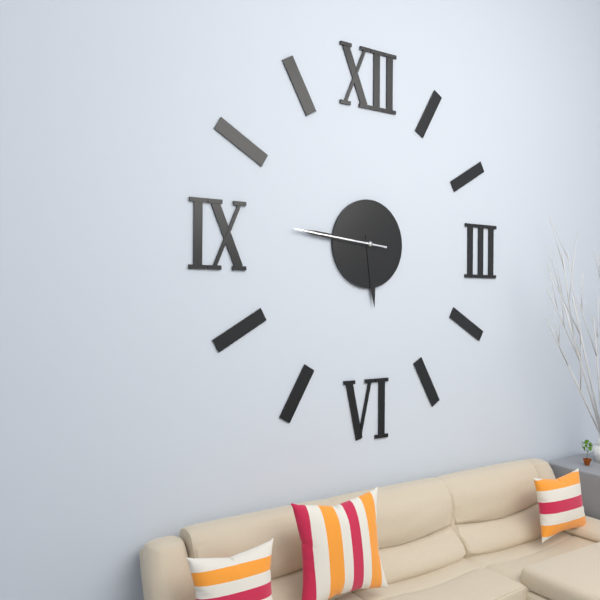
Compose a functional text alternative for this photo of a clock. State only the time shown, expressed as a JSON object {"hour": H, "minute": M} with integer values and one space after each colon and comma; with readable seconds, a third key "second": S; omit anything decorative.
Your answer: {"hour": 5, "minute": 46, "second": 46}
